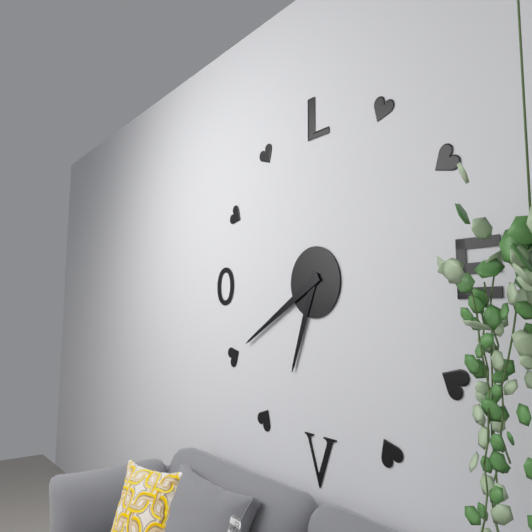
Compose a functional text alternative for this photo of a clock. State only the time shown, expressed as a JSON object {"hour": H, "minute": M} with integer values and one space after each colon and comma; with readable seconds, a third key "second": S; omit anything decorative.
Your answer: {"hour": 6, "minute": 40}
